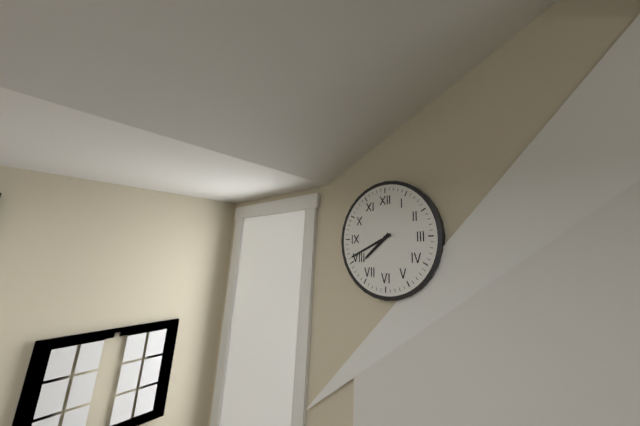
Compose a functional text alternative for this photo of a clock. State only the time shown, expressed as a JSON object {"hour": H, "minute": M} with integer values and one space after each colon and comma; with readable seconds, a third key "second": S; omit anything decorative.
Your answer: {"hour": 7, "minute": 41}
